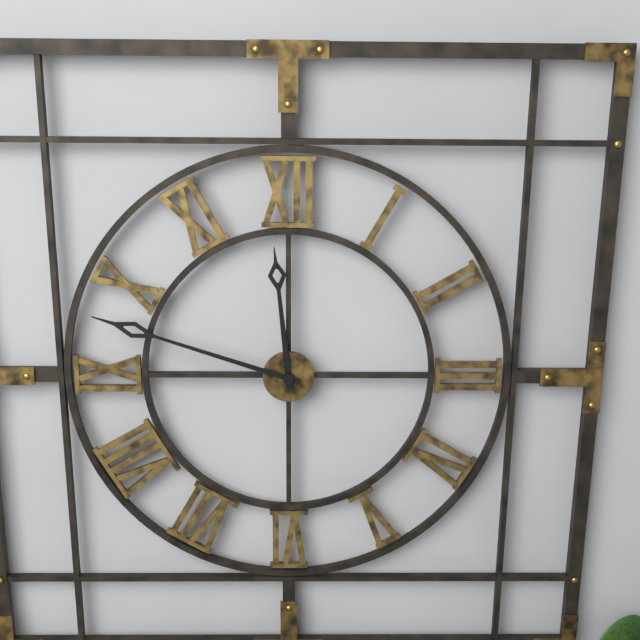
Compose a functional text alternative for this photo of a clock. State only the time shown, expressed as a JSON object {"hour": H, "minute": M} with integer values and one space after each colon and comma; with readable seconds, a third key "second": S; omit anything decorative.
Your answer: {"hour": 11, "minute": 48}
